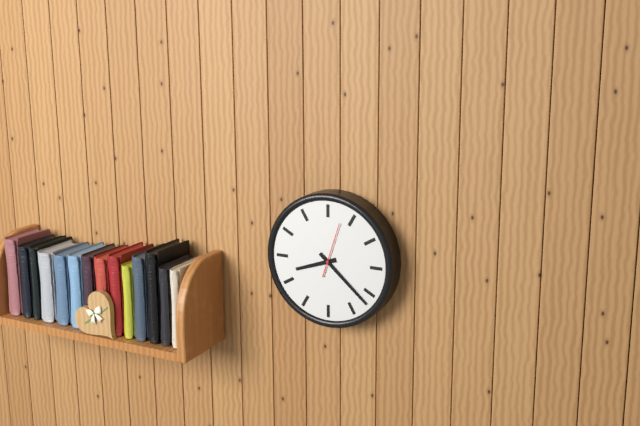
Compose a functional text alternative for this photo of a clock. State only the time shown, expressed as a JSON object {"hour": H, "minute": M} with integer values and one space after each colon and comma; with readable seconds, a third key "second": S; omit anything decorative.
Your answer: {"hour": 8, "minute": 22}
